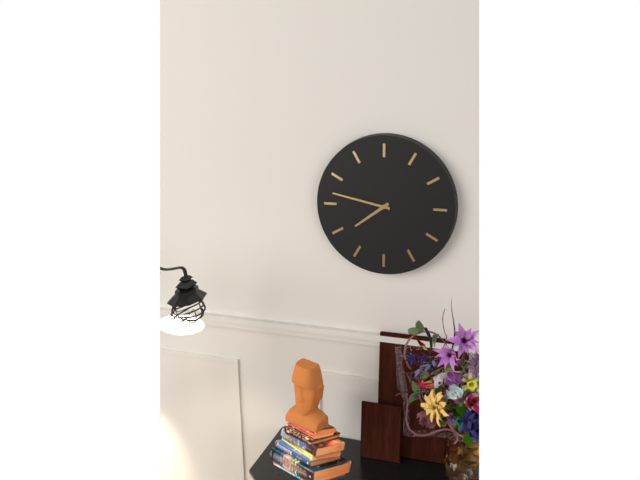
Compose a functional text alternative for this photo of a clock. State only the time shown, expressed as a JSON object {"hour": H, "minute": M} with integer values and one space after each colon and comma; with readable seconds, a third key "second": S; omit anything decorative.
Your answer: {"hour": 7, "minute": 47}
